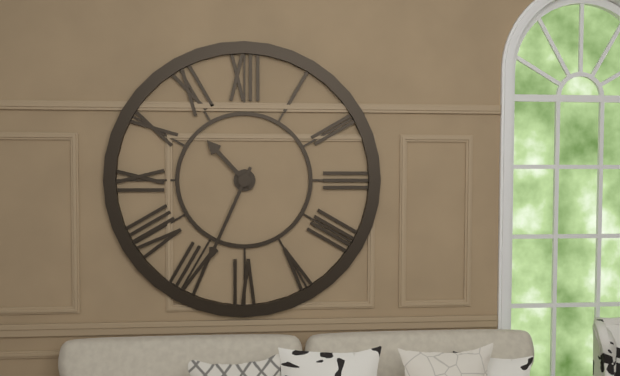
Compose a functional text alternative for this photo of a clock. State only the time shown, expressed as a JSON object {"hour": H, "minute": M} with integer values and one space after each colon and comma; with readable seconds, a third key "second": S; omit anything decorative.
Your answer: {"hour": 10, "minute": 34}
